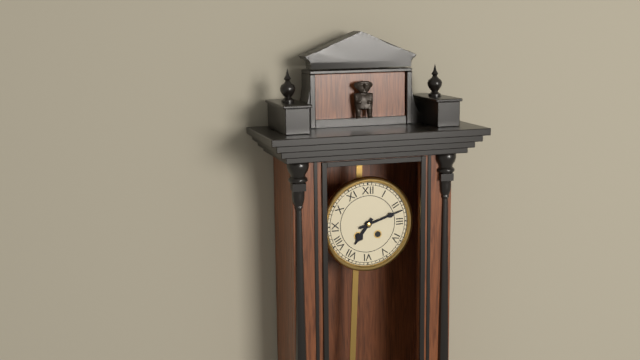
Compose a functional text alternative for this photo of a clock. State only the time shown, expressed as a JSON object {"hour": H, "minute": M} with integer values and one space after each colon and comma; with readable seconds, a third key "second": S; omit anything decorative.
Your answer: {"hour": 7, "minute": 12}
